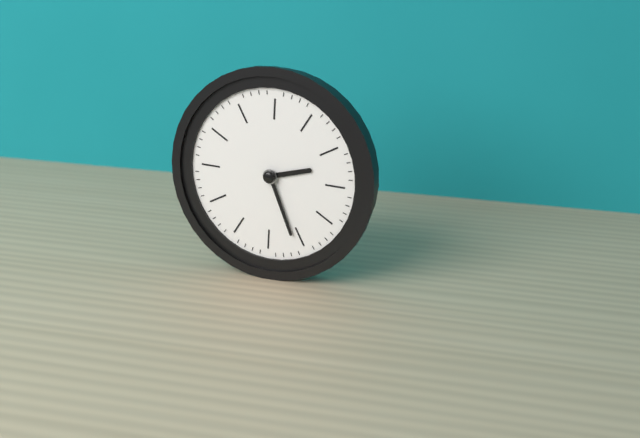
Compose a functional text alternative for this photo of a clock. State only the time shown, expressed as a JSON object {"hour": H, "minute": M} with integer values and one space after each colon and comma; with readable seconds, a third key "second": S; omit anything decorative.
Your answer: {"hour": 2, "minute": 26}
